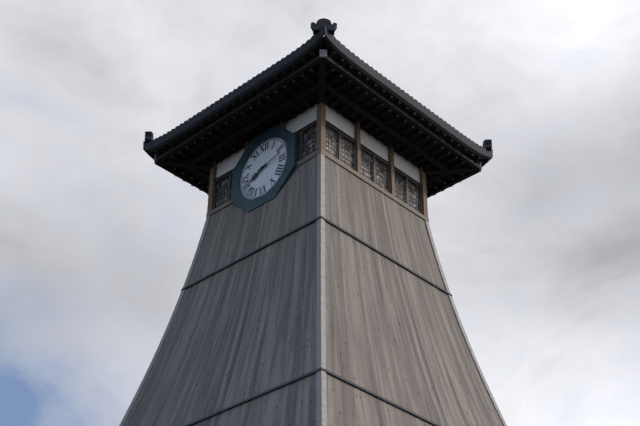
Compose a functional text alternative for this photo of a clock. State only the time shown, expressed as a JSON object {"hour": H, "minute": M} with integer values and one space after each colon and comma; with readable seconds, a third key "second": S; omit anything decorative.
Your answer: {"hour": 8, "minute": 13}
